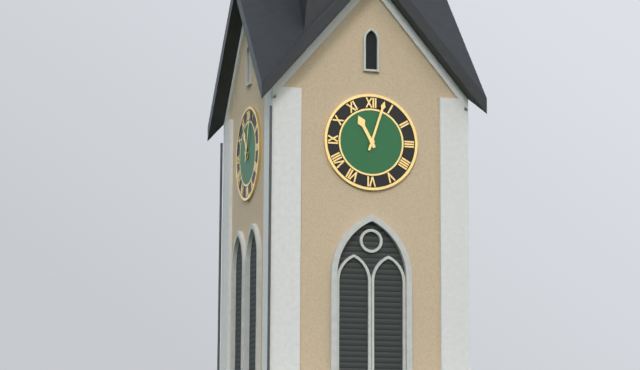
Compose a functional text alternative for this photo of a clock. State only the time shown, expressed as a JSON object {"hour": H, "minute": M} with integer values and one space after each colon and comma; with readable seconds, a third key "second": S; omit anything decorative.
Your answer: {"hour": 11, "minute": 3}
